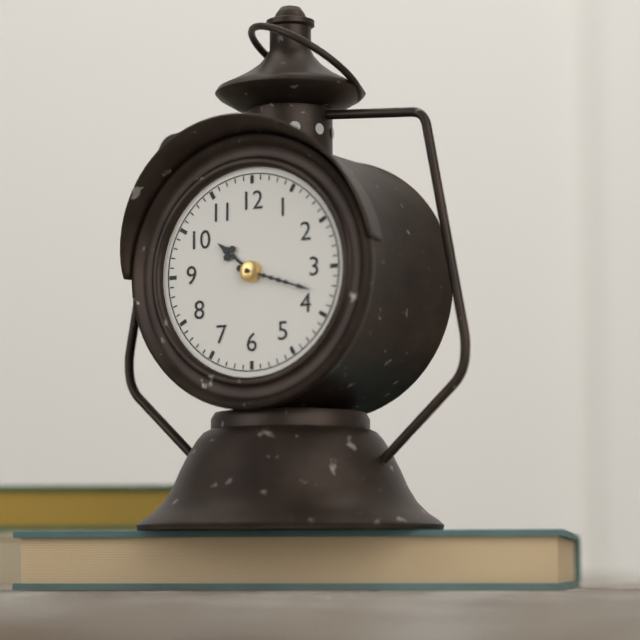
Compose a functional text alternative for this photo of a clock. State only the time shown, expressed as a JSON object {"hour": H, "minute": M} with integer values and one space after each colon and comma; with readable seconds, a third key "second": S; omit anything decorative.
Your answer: {"hour": 10, "minute": 18}
